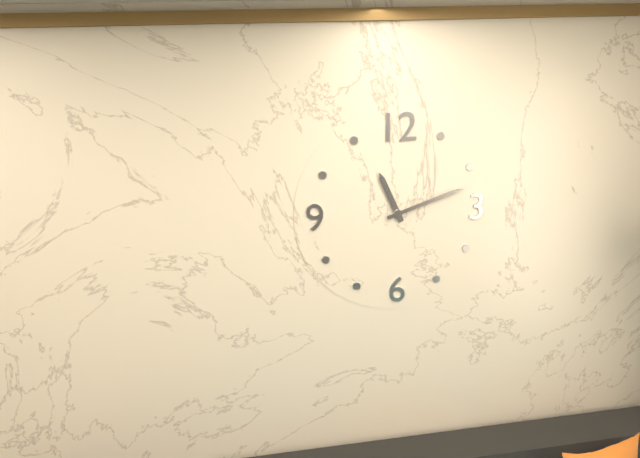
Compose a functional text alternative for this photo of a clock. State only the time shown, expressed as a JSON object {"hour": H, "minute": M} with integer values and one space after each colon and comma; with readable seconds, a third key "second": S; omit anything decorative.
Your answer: {"hour": 11, "minute": 12}
